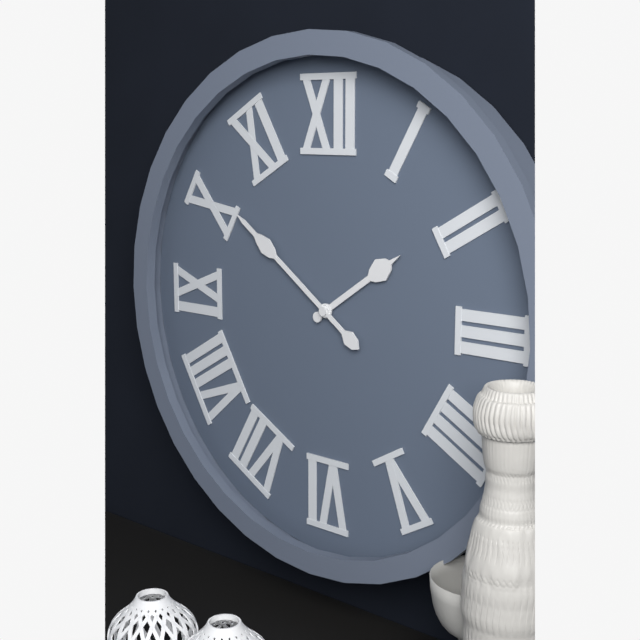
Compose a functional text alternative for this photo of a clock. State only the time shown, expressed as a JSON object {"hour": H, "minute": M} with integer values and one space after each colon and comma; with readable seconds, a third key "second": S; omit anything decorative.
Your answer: {"hour": 1, "minute": 51}
